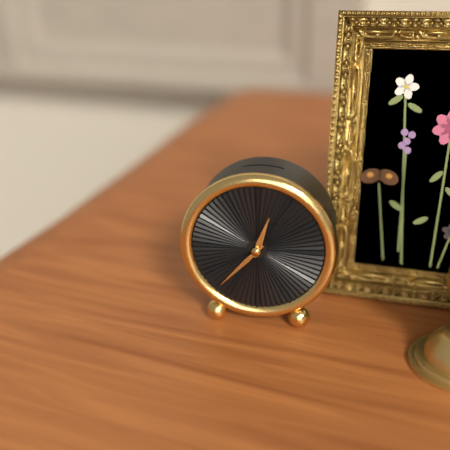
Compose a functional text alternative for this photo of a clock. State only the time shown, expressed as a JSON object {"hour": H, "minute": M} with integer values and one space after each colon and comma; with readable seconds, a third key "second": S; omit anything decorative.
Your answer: {"hour": 12, "minute": 37}
